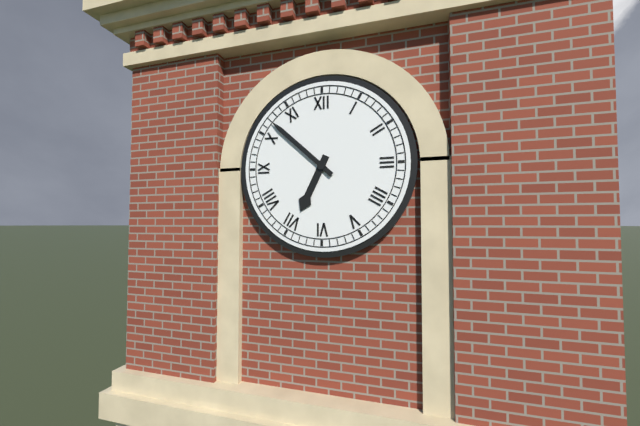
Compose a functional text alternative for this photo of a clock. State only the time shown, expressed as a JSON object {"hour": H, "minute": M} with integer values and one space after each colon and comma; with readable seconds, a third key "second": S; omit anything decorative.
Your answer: {"hour": 6, "minute": 52}
